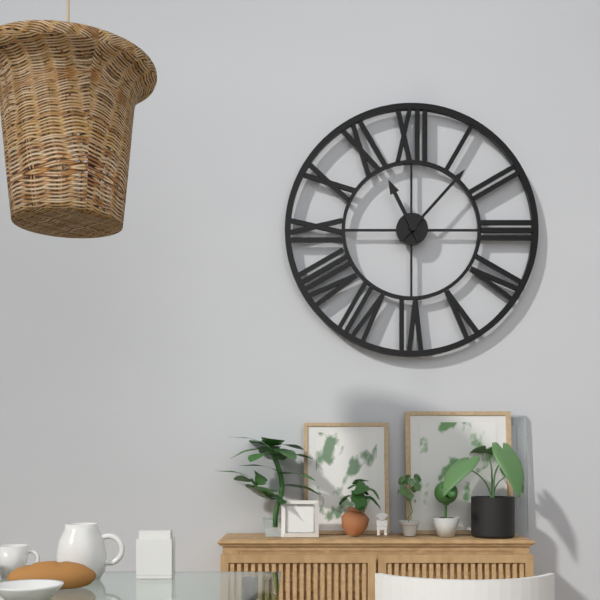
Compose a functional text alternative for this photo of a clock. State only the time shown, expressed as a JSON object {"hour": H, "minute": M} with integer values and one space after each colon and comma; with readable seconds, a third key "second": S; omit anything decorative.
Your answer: {"hour": 11, "minute": 7}
